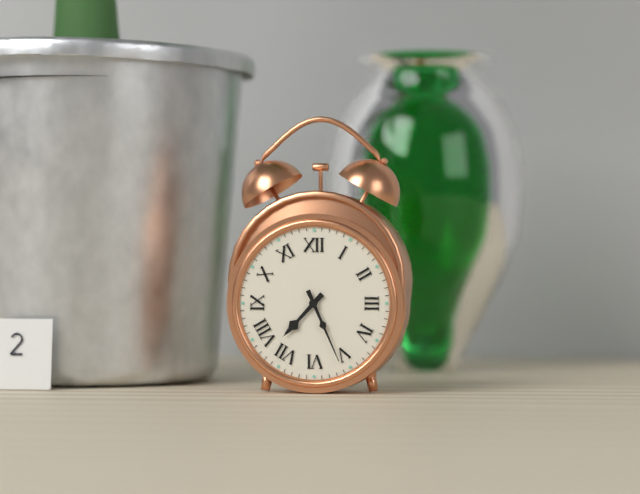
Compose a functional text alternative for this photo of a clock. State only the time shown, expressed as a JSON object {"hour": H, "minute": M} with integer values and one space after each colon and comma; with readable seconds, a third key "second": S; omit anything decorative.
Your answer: {"hour": 7, "minute": 26}
